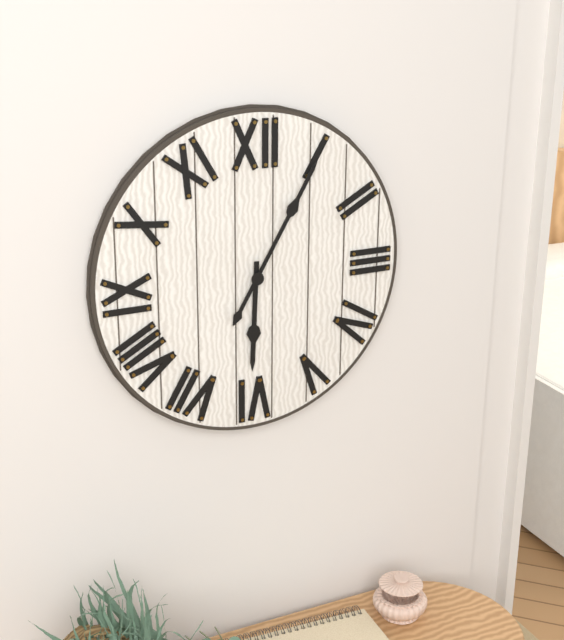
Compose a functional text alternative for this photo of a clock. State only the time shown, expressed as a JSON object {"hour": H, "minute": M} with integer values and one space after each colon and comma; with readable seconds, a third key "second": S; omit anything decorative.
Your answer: {"hour": 6, "minute": 5}
